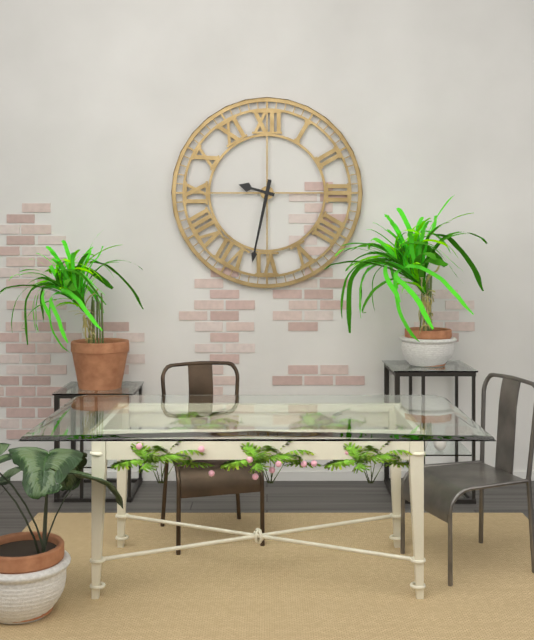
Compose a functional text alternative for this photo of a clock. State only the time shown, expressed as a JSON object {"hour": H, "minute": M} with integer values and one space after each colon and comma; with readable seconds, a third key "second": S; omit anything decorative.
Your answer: {"hour": 9, "minute": 32, "second": 32}
